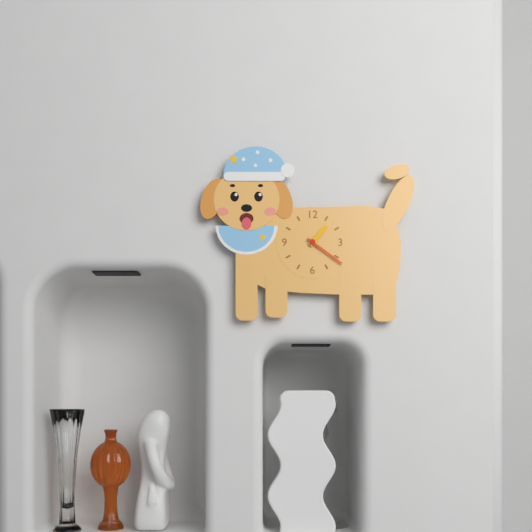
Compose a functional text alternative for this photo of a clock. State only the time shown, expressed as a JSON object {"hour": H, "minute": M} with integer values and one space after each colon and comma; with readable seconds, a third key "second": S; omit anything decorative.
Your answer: {"hour": 1, "minute": 21}
